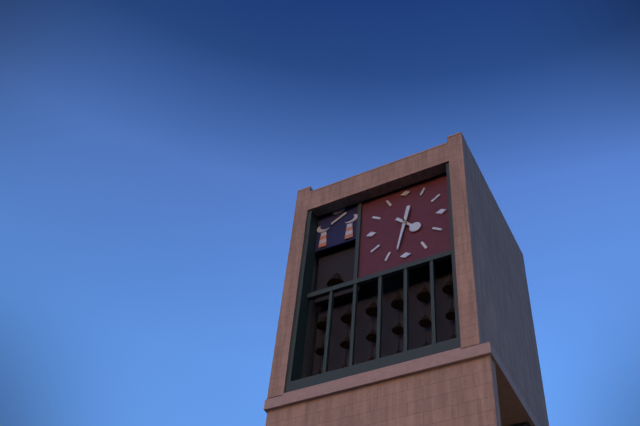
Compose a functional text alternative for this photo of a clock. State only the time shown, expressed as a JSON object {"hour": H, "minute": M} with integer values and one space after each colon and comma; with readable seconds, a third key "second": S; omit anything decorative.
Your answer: {"hour": 4, "minute": 32}
